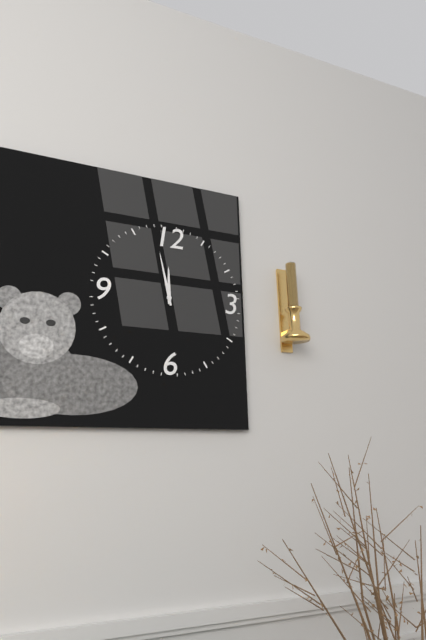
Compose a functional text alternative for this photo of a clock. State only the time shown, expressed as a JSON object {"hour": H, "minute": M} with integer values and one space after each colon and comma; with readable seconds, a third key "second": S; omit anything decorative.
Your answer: {"hour": 11, "minute": 58}
